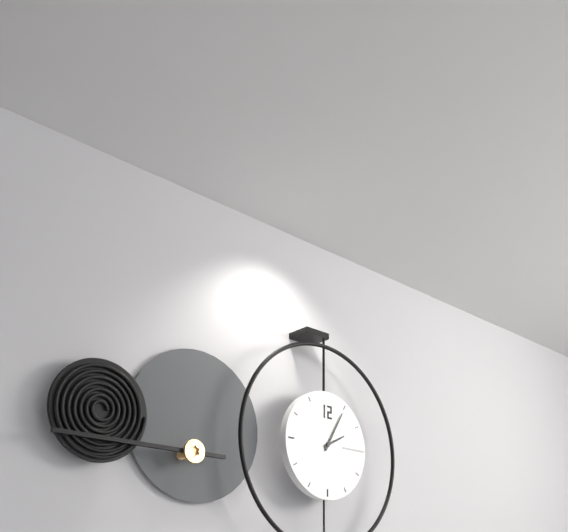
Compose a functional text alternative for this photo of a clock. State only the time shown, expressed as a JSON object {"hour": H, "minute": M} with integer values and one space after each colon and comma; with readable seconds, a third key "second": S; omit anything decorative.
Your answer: {"hour": 2, "minute": 5}
